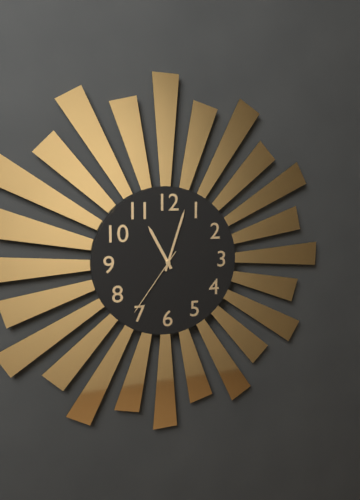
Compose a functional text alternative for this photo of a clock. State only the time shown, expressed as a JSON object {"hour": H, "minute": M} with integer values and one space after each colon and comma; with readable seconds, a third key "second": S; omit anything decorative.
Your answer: {"hour": 11, "minute": 3, "second": 36}
